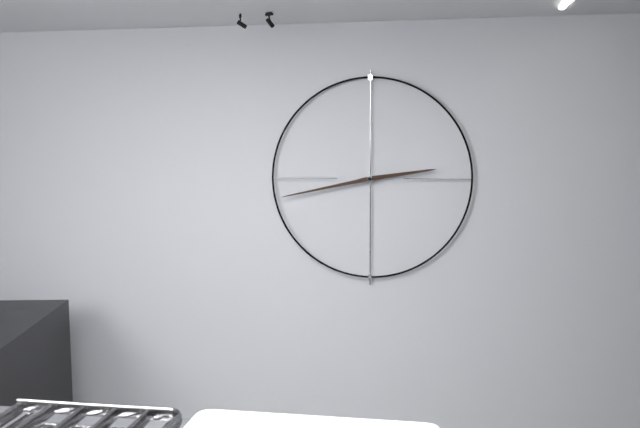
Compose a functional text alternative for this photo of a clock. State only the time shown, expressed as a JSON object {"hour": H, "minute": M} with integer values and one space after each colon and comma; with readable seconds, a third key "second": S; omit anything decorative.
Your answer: {"hour": 2, "minute": 43}
